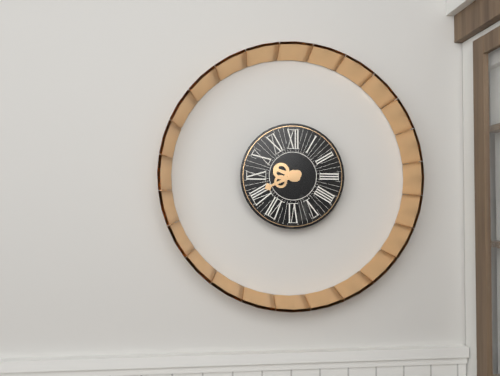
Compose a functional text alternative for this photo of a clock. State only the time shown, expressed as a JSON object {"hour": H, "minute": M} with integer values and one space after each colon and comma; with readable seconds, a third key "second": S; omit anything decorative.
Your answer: {"hour": 9, "minute": 41}
